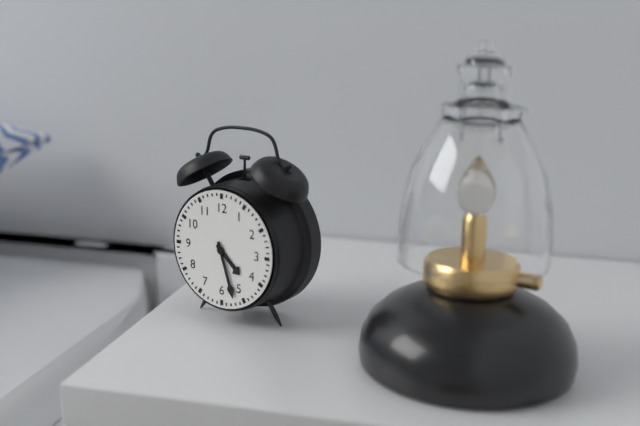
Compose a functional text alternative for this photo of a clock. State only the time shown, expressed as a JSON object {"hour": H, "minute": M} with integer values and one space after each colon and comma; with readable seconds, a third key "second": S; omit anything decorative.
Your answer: {"hour": 4, "minute": 27}
